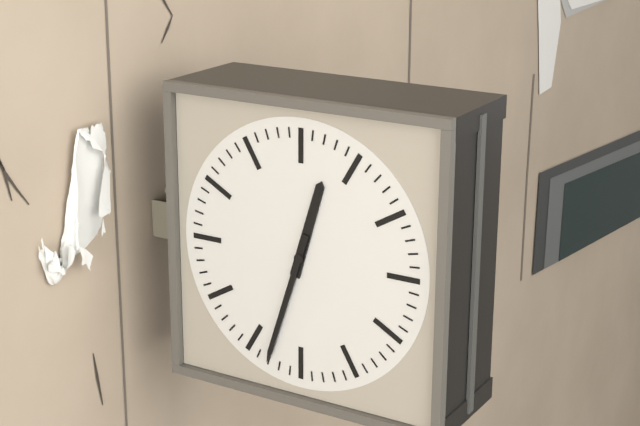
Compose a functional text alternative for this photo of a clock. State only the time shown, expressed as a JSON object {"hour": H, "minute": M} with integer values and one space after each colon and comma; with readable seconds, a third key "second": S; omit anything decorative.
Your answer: {"hour": 12, "minute": 33}
